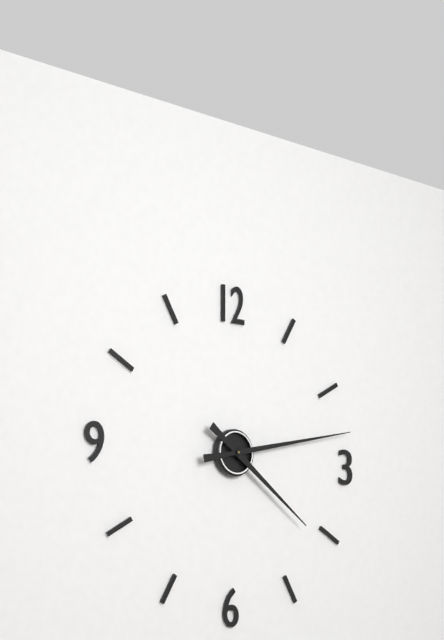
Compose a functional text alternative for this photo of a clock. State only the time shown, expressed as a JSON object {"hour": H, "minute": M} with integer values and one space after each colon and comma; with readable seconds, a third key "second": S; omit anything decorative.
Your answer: {"hour": 4, "minute": 13}
